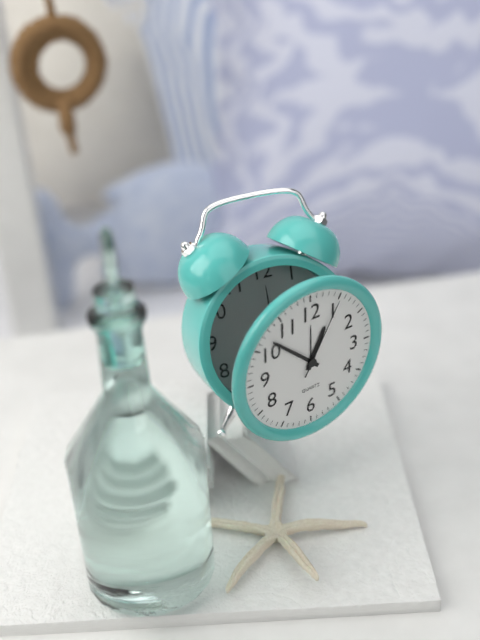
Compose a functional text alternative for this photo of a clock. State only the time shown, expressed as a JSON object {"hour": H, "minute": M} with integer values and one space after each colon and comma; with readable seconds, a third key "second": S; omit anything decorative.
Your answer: {"hour": 12, "minute": 52, "second": 5}
